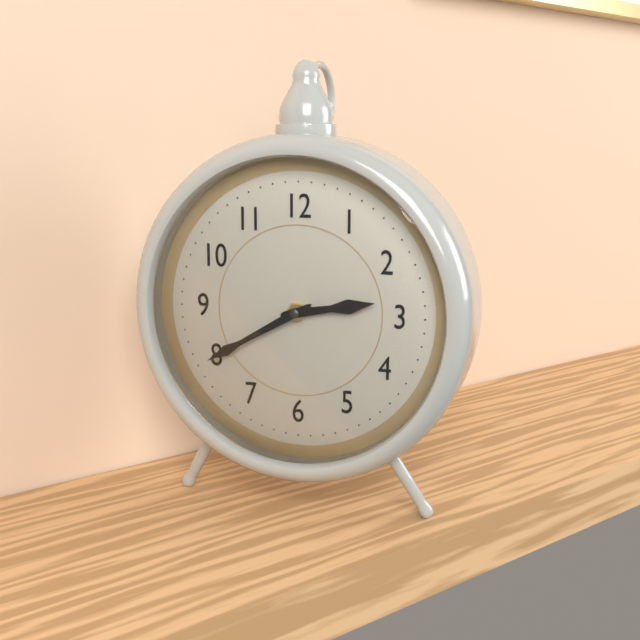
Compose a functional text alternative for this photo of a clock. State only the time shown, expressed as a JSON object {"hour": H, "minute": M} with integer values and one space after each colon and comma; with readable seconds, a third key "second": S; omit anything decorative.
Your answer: {"hour": 2, "minute": 40}
